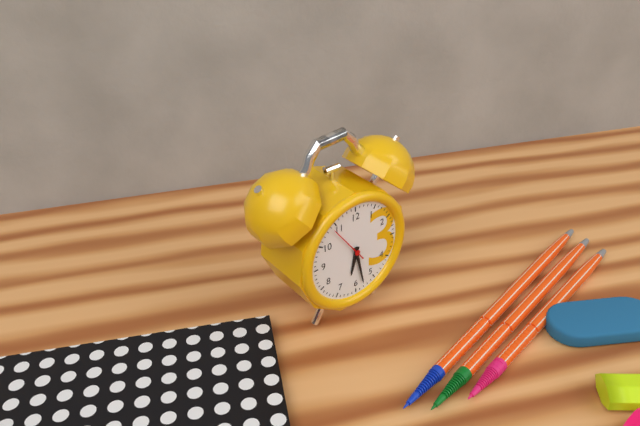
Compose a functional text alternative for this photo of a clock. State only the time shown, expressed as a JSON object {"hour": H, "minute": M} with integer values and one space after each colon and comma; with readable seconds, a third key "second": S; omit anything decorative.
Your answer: {"hour": 6, "minute": 28}
